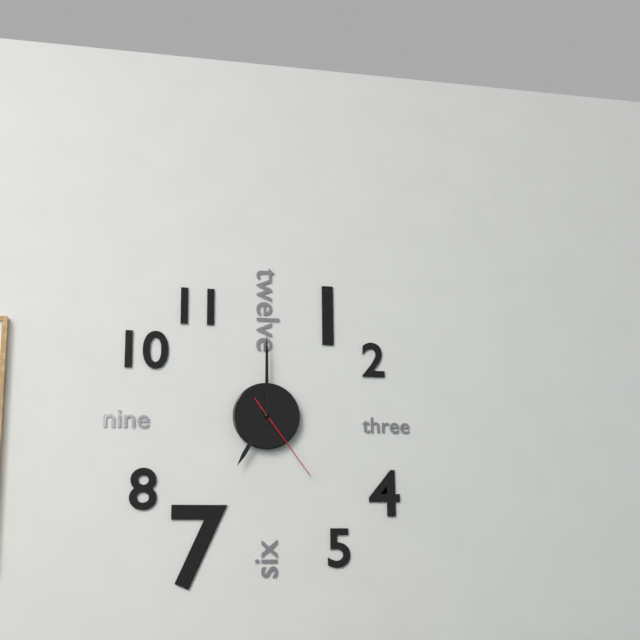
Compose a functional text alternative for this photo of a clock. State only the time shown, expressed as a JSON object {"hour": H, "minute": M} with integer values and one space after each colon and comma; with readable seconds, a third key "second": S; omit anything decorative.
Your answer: {"hour": 7, "minute": 0, "second": 24}
